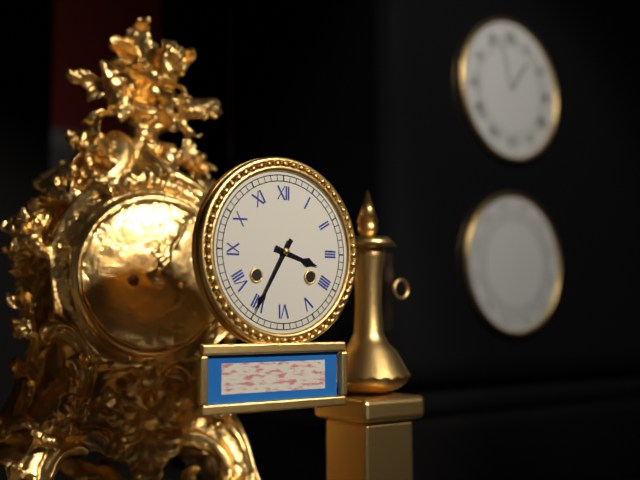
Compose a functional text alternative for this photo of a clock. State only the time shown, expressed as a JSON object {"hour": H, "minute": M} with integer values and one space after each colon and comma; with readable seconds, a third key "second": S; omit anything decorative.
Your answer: {"hour": 3, "minute": 35}
